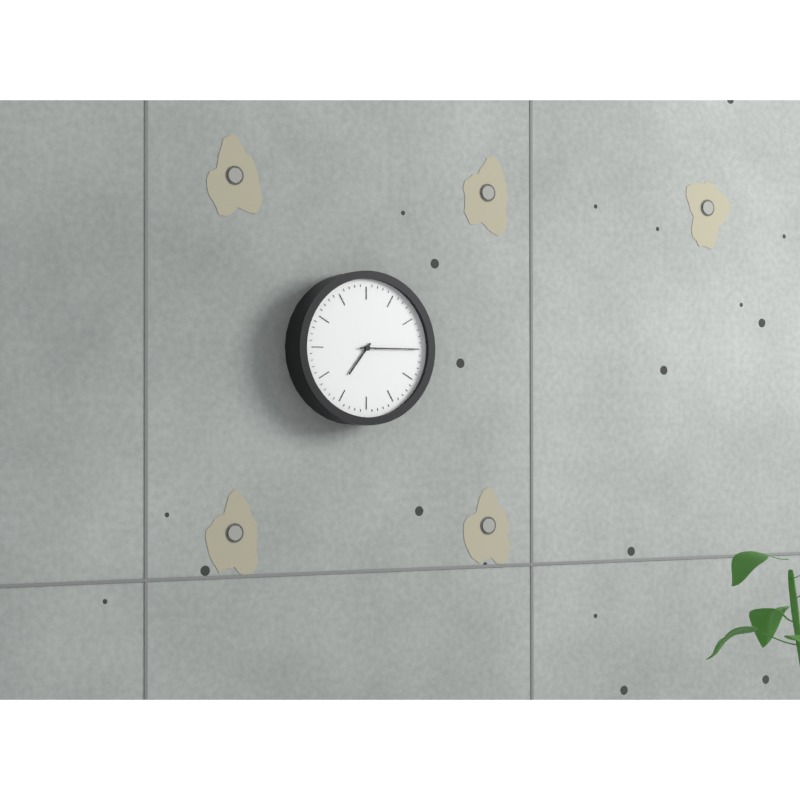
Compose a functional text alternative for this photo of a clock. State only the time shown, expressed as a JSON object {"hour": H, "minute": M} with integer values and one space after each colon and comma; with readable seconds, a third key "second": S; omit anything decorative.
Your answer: {"hour": 7, "minute": 15}
